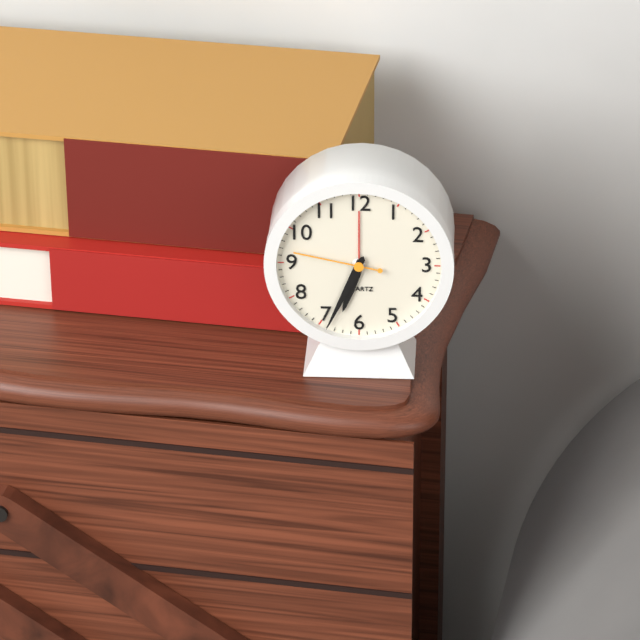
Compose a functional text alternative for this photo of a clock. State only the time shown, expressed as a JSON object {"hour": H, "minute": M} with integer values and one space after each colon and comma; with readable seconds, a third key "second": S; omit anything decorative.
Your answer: {"hour": 6, "minute": 34, "second": 47}
